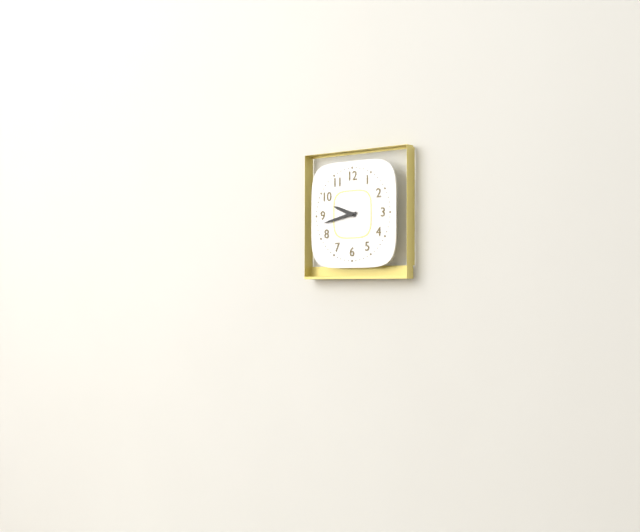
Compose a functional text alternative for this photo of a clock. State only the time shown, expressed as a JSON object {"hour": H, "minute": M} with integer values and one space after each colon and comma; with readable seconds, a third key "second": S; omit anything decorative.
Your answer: {"hour": 9, "minute": 43}
